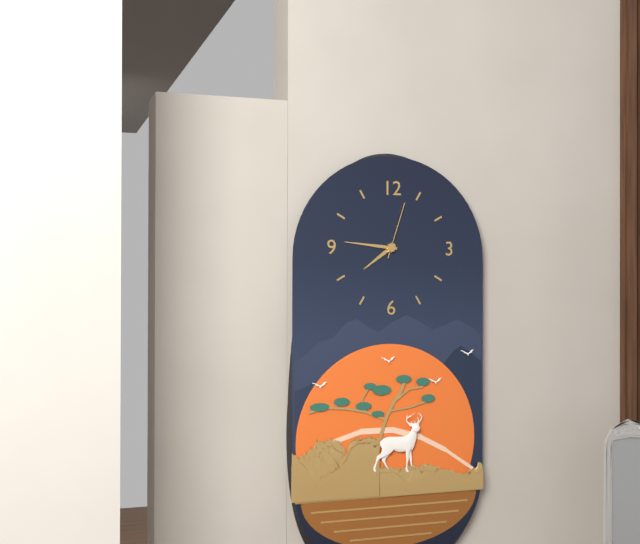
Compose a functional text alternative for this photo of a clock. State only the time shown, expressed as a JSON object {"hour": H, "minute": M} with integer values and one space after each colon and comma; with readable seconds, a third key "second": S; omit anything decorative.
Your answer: {"hour": 7, "minute": 46, "second": 3}
